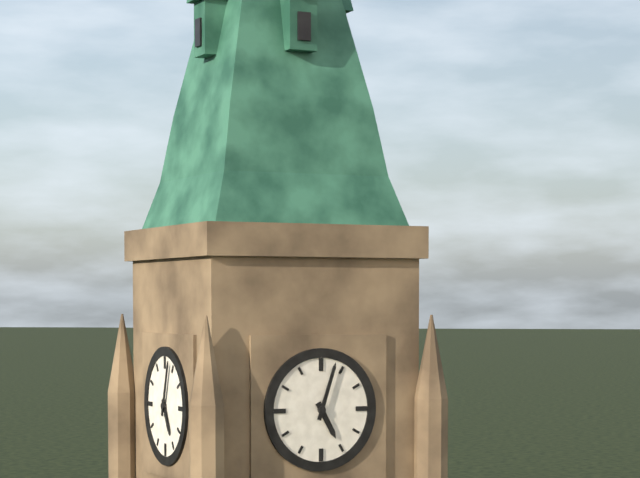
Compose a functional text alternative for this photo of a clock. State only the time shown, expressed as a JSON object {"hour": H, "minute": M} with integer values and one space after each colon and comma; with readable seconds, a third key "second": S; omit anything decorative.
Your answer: {"hour": 5, "minute": 3}
